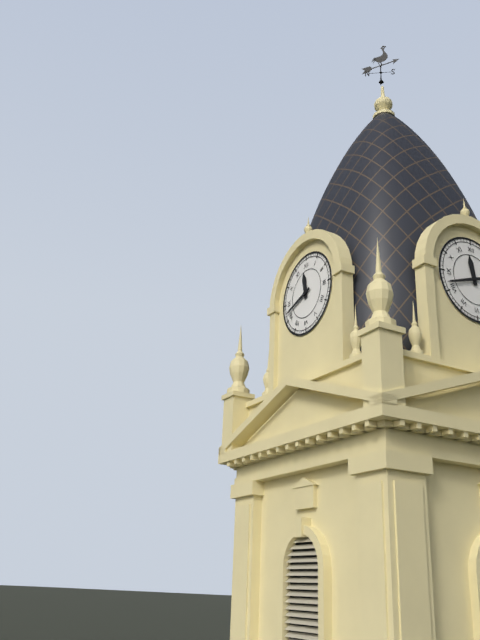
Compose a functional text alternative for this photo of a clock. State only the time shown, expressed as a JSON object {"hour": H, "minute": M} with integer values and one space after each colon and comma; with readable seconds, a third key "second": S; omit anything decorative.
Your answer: {"hour": 11, "minute": 42}
